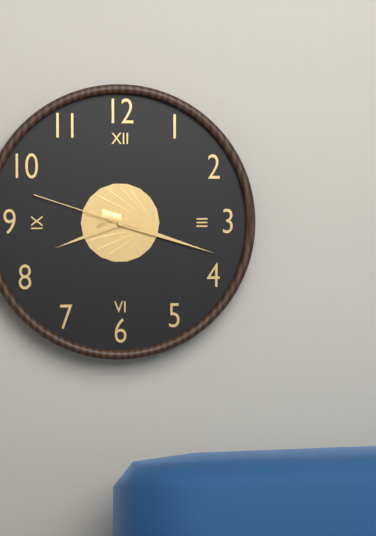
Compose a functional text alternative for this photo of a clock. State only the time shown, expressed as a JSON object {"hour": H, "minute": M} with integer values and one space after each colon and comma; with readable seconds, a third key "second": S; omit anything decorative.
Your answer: {"hour": 8, "minute": 18, "second": 48}
